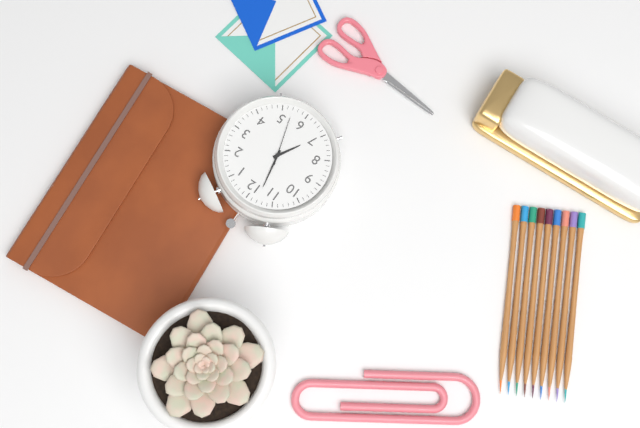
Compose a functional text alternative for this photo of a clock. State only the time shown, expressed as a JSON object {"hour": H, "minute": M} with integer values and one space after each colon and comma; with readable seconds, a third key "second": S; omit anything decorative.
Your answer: {"hour": 6, "minute": 58, "second": 27}
